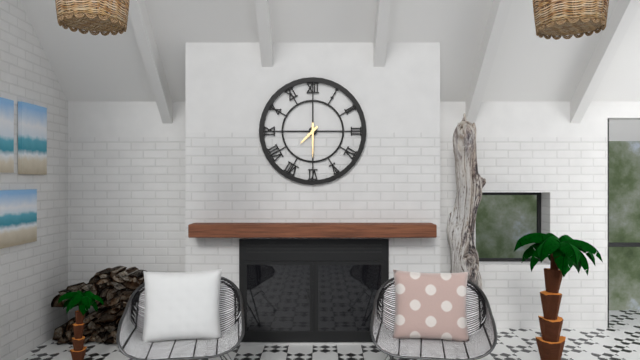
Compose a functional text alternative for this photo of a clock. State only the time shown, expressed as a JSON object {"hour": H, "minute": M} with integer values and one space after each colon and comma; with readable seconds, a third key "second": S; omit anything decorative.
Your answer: {"hour": 7, "minute": 30}
